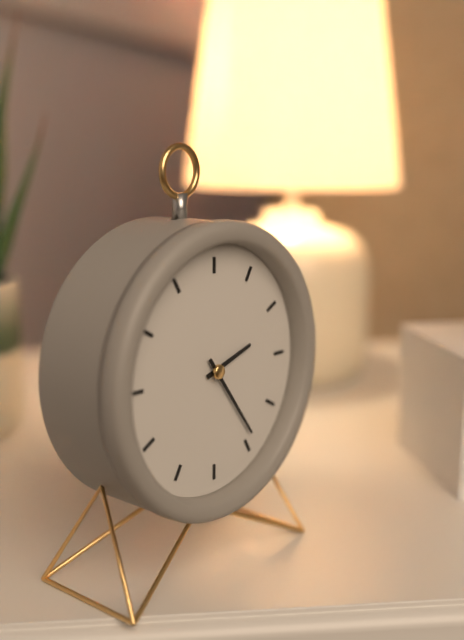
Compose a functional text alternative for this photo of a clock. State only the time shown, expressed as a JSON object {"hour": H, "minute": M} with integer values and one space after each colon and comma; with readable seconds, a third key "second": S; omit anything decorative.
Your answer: {"hour": 2, "minute": 24}
